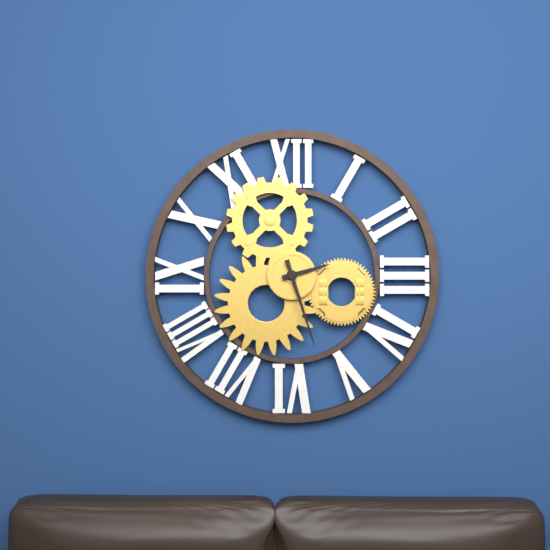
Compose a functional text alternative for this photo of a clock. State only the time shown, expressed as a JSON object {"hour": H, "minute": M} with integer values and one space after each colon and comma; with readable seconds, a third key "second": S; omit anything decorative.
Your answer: {"hour": 2, "minute": 27}
